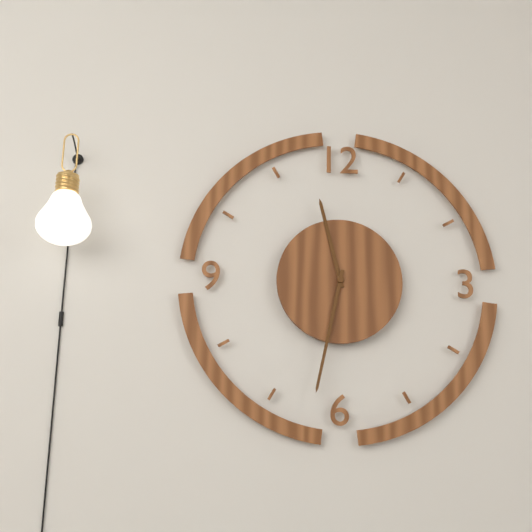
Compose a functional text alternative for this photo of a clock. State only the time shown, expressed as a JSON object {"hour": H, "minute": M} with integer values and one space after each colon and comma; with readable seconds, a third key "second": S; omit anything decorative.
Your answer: {"hour": 11, "minute": 32}
